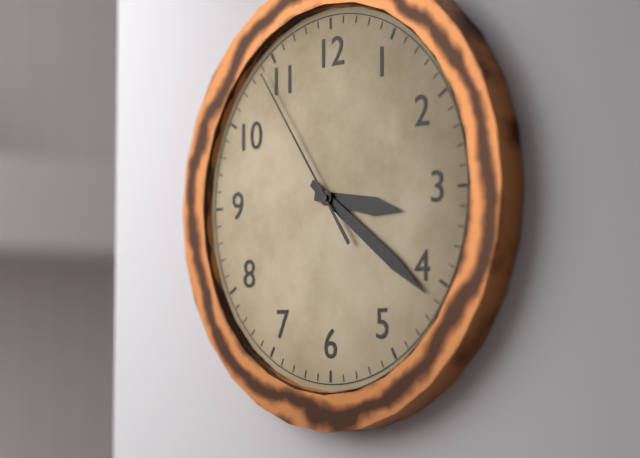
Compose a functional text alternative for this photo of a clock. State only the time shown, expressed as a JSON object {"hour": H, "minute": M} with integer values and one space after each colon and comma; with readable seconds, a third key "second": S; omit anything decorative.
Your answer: {"hour": 3, "minute": 21, "second": 54}
